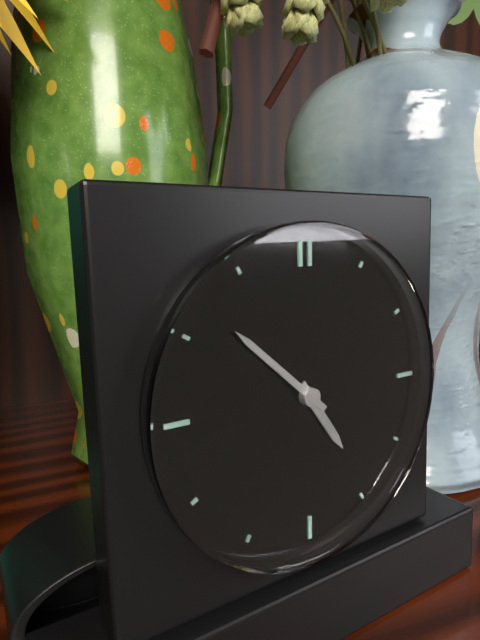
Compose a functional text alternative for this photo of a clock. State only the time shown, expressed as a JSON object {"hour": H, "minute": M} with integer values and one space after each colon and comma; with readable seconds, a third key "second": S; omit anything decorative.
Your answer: {"hour": 4, "minute": 52}
